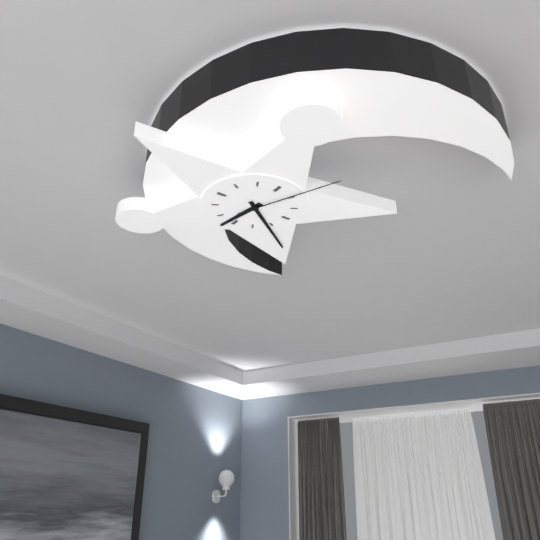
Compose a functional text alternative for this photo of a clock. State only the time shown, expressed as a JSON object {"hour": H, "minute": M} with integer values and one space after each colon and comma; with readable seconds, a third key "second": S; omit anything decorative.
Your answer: {"hour": 6, "minute": 21, "second": 4}
